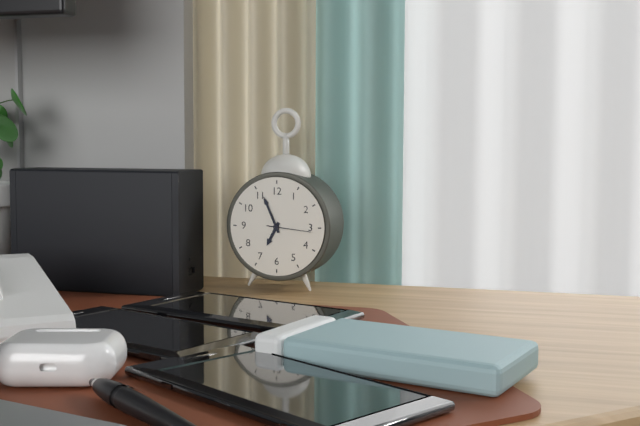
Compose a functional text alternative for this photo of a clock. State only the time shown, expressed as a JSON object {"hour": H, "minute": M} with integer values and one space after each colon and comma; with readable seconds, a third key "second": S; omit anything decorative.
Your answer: {"hour": 6, "minute": 56}
